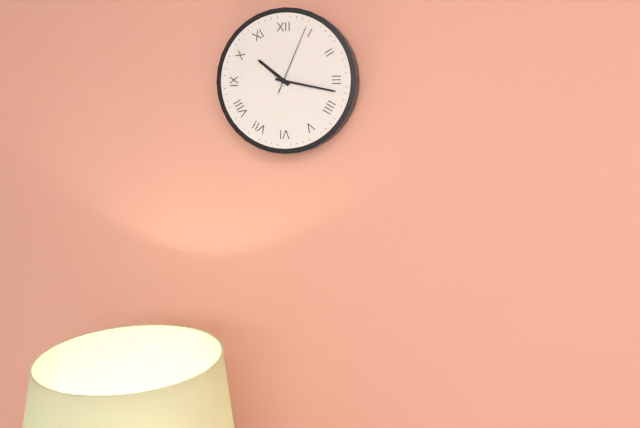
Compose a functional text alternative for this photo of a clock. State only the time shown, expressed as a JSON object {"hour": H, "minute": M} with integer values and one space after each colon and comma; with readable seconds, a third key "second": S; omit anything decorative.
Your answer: {"hour": 10, "minute": 17, "second": 4}
